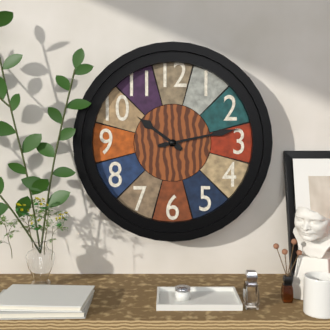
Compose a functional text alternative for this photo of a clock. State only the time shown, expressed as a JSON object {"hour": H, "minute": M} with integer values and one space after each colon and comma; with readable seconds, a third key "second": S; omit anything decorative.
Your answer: {"hour": 10, "minute": 13}
